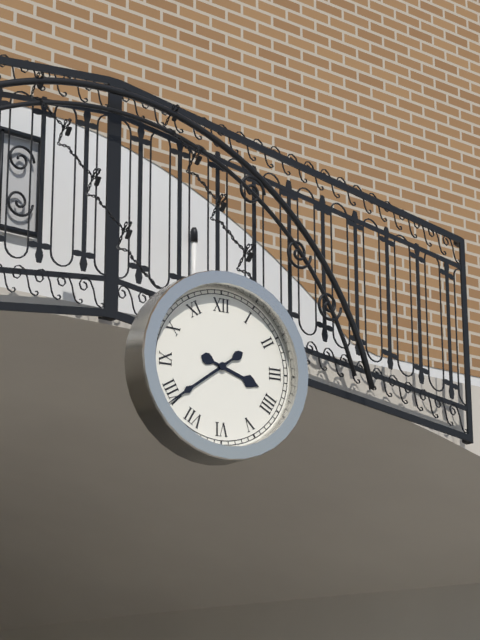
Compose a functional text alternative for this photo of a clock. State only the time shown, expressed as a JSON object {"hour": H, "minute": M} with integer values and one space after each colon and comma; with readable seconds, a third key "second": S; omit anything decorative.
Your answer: {"hour": 3, "minute": 39}
